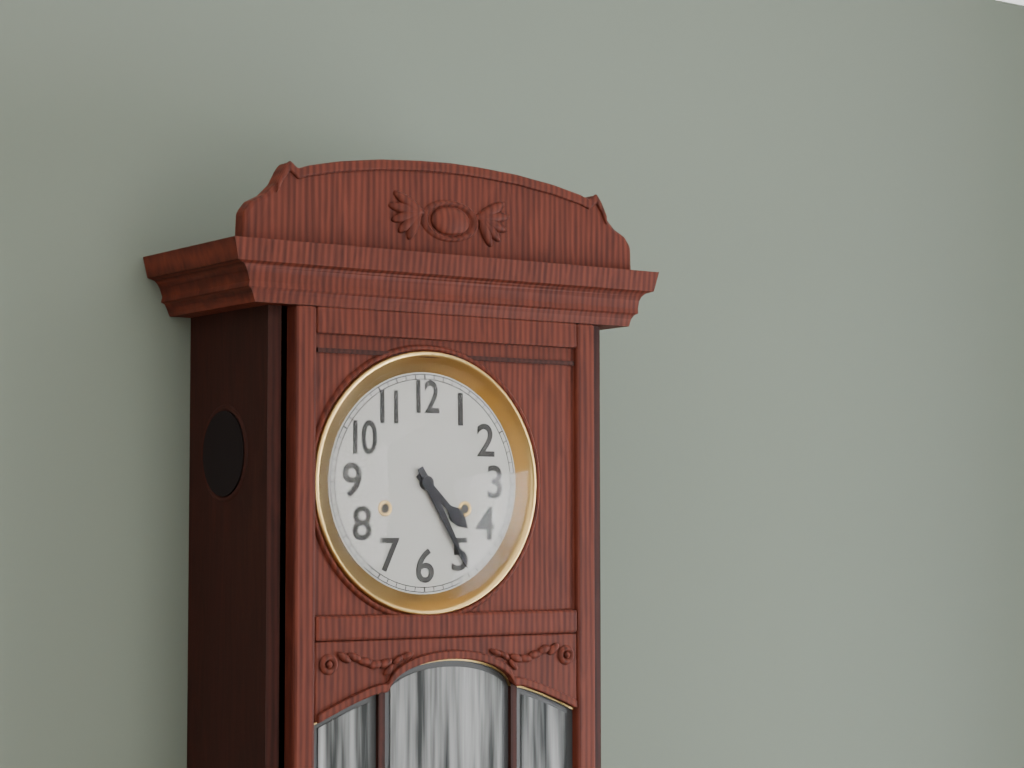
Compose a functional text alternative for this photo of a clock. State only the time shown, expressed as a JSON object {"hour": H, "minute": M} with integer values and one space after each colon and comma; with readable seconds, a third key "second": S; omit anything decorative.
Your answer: {"hour": 4, "minute": 25}
